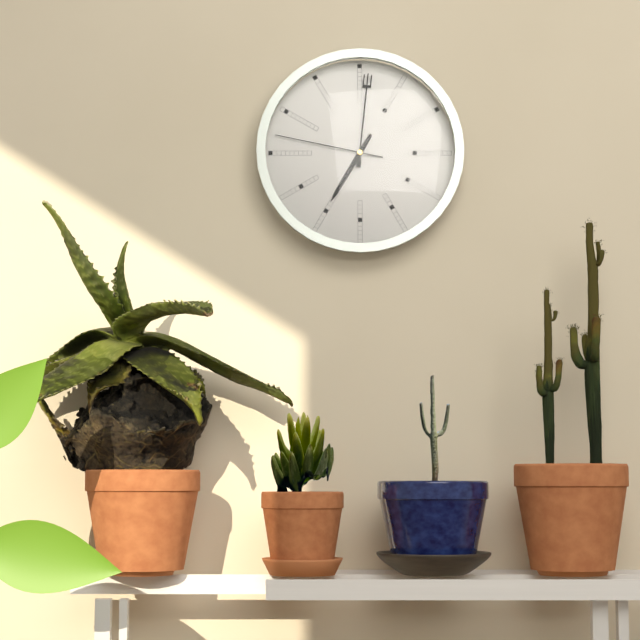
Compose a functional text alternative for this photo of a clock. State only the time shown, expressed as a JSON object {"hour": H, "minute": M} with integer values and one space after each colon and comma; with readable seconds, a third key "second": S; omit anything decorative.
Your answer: {"hour": 7, "minute": 1, "second": 47}
